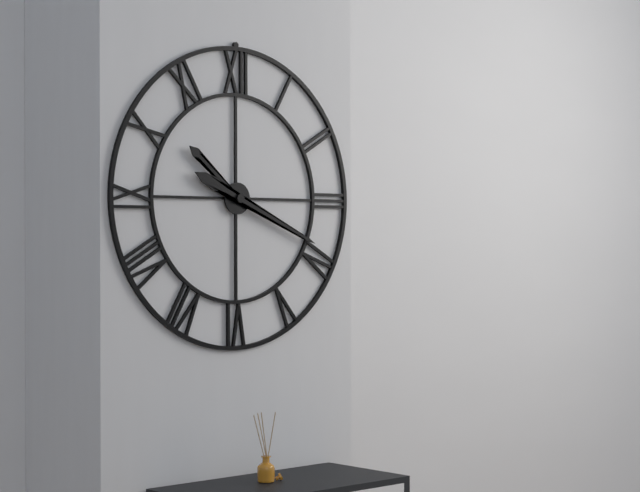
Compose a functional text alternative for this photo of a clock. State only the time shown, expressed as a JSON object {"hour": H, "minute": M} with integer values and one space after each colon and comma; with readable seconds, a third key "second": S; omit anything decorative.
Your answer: {"hour": 10, "minute": 19}
